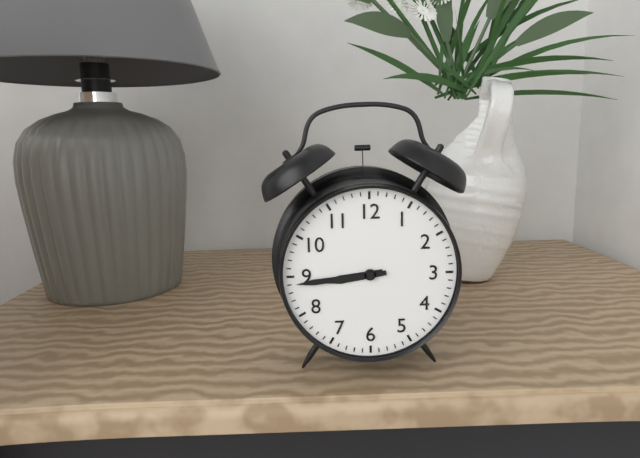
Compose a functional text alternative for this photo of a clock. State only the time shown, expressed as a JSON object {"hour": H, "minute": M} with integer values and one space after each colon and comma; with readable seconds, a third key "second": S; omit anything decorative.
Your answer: {"hour": 8, "minute": 44}
